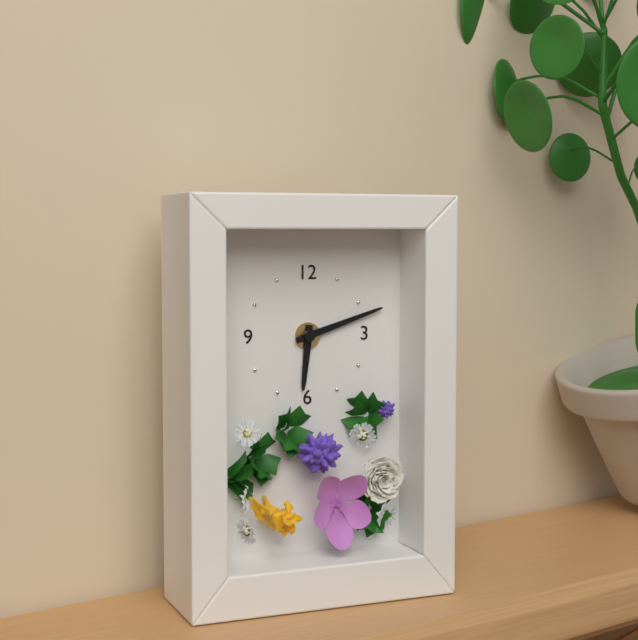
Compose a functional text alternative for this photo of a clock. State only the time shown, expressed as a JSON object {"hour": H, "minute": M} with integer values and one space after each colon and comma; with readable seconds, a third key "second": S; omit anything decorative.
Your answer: {"hour": 6, "minute": 12}
